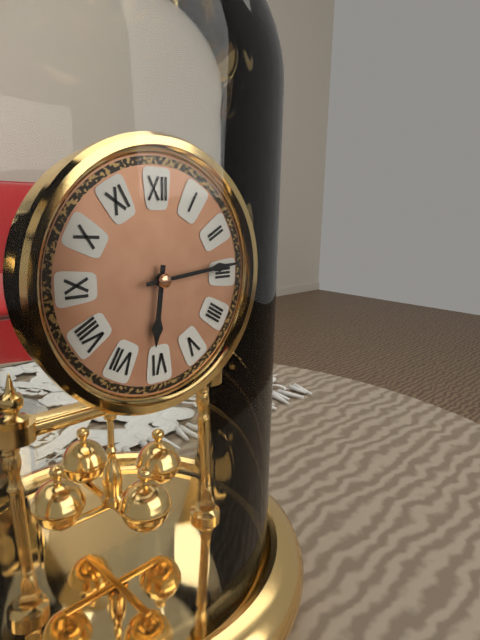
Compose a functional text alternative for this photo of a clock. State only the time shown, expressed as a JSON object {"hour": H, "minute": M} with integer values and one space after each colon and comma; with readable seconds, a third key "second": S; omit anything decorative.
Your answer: {"hour": 6, "minute": 14}
